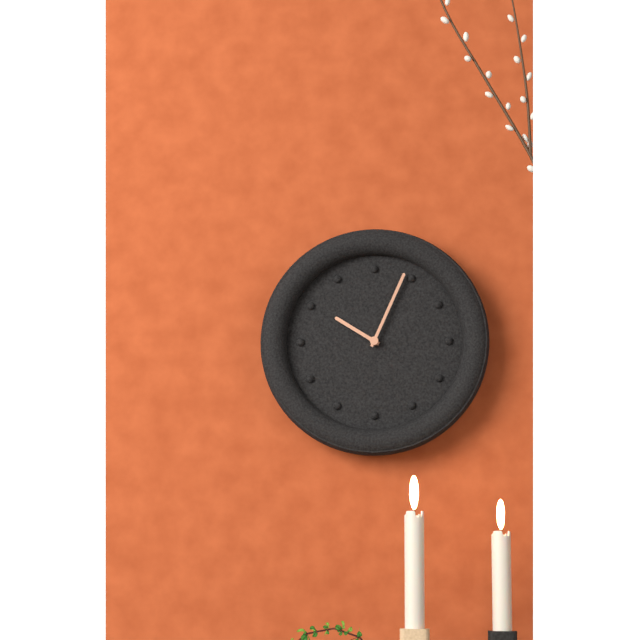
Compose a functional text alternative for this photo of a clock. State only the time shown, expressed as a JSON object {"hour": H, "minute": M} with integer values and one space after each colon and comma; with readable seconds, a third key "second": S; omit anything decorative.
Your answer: {"hour": 10, "minute": 4}
